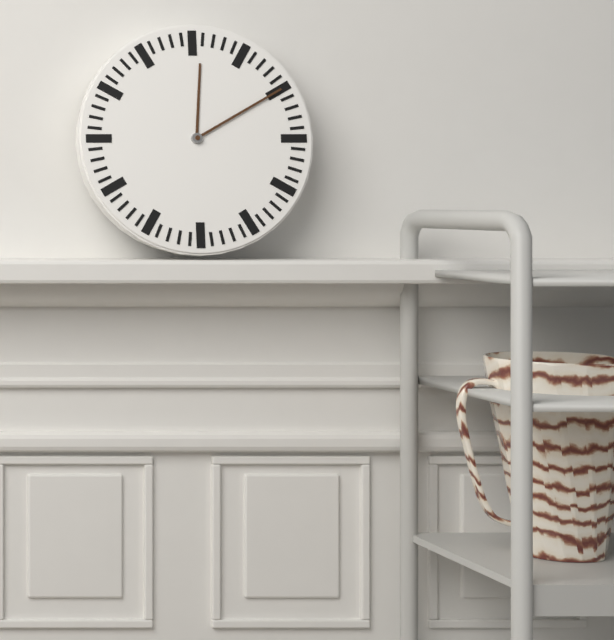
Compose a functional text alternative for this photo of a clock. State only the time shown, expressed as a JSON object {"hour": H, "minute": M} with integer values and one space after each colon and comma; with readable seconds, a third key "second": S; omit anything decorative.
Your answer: {"hour": 12, "minute": 10}
